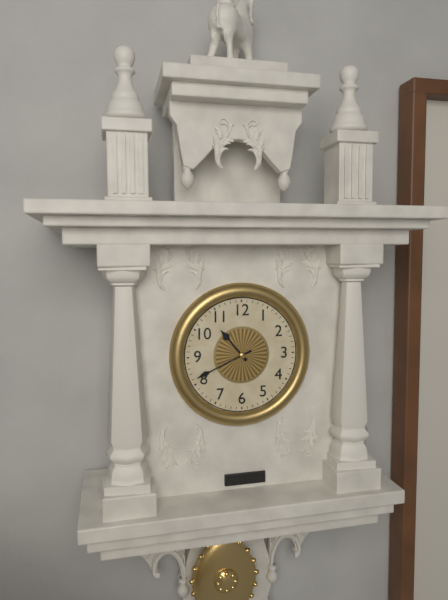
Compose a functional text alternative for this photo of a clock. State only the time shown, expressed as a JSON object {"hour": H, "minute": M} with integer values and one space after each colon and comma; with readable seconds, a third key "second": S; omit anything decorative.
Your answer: {"hour": 10, "minute": 41}
